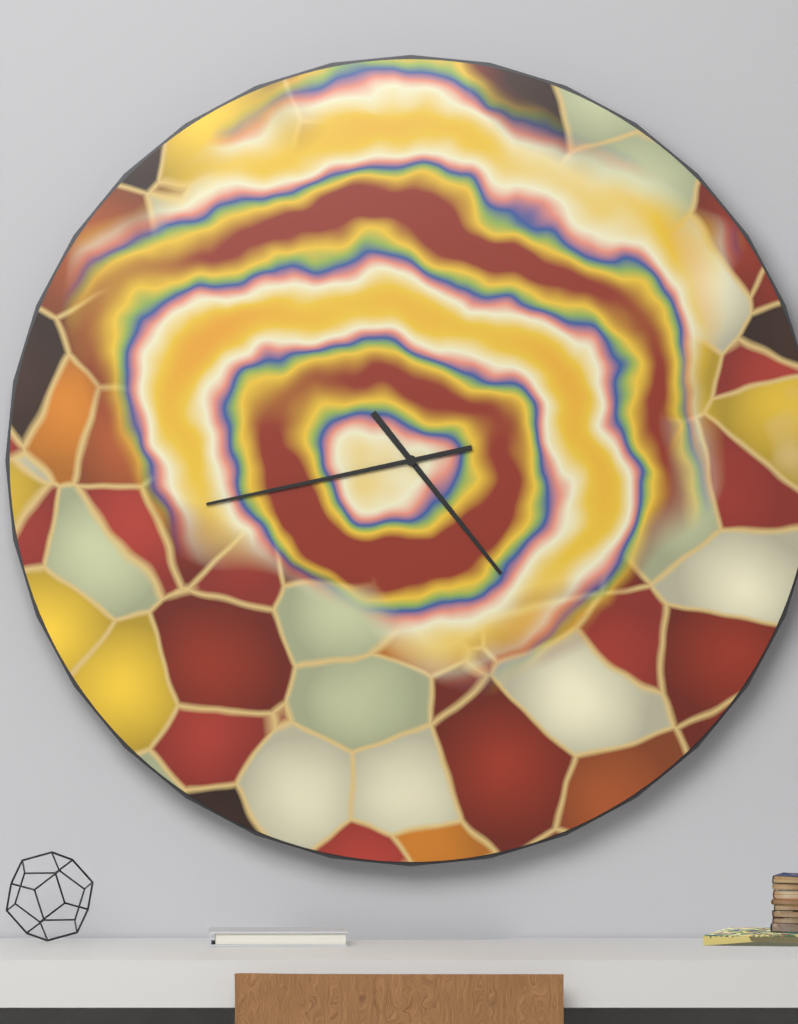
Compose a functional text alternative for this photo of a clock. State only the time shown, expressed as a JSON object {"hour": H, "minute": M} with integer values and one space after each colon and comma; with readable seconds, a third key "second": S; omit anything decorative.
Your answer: {"hour": 4, "minute": 43}
